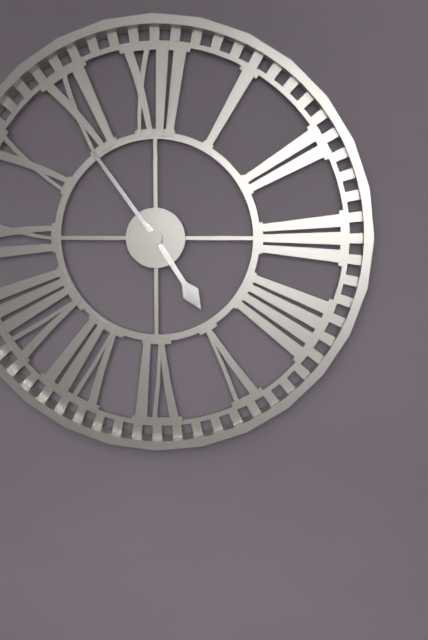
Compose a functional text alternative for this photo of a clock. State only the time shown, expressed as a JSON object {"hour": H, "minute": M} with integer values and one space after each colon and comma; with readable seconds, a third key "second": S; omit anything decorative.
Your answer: {"hour": 4, "minute": 54}
